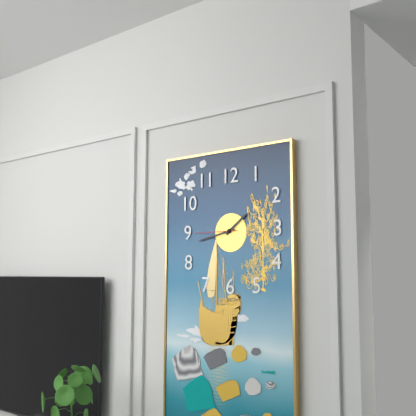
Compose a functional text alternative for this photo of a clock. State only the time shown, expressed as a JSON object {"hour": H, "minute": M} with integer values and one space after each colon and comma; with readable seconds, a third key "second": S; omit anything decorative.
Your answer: {"hour": 1, "minute": 43}
